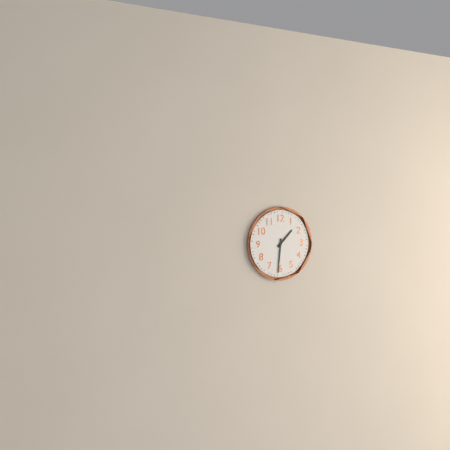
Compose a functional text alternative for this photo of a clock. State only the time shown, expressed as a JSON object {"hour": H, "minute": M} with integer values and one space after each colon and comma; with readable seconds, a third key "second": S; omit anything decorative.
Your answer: {"hour": 1, "minute": 31}
